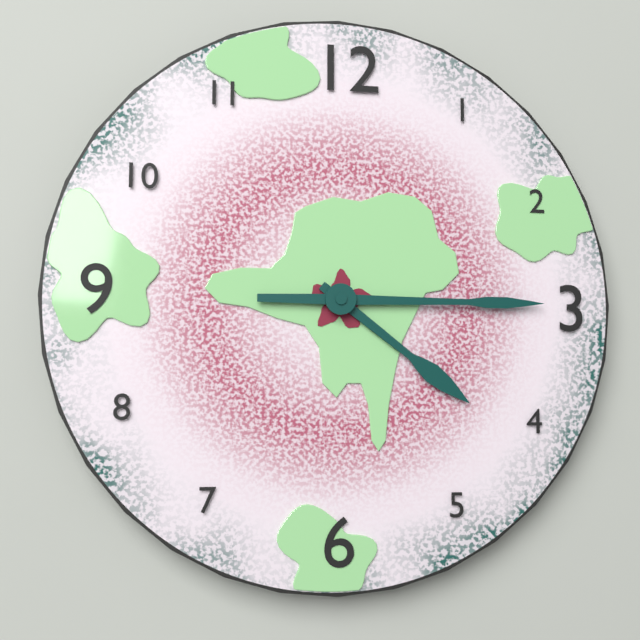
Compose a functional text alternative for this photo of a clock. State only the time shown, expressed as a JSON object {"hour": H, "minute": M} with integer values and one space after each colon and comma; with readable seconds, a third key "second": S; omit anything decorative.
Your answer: {"hour": 4, "minute": 15}
